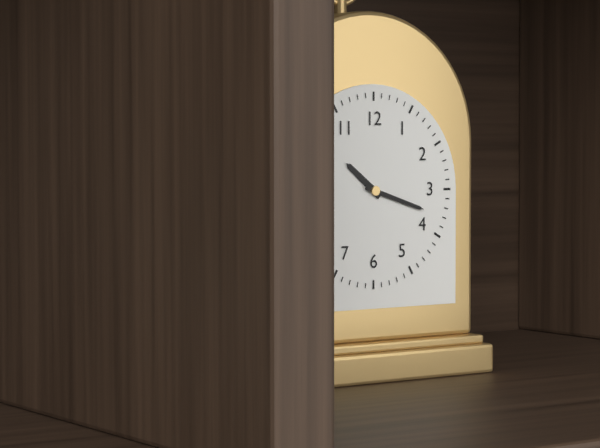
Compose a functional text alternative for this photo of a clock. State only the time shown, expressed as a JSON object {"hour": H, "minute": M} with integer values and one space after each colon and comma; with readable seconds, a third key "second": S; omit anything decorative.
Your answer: {"hour": 10, "minute": 18}
